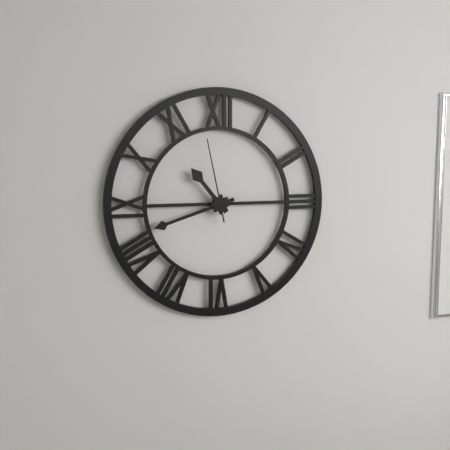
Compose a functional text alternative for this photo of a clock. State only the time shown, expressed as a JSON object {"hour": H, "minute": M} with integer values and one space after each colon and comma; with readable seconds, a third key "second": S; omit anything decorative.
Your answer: {"hour": 10, "minute": 42, "second": 58}
